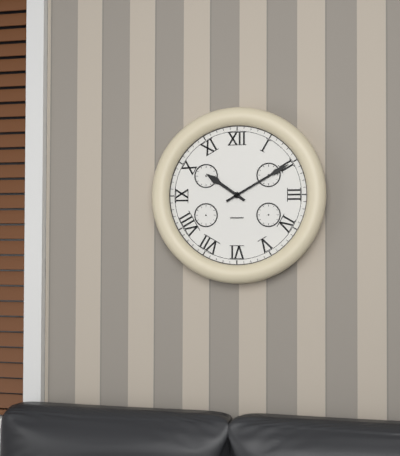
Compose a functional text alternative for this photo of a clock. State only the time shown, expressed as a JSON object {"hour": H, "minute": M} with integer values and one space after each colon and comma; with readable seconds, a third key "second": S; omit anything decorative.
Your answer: {"hour": 10, "minute": 10}
